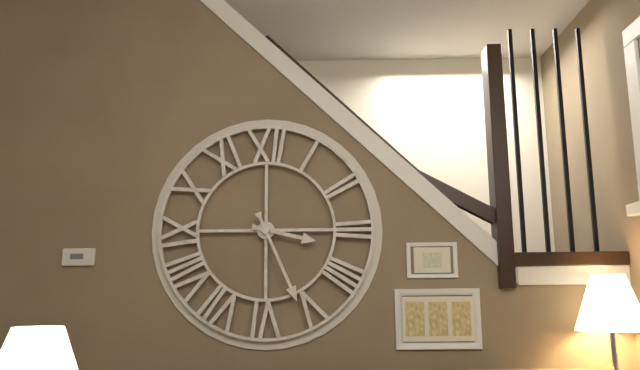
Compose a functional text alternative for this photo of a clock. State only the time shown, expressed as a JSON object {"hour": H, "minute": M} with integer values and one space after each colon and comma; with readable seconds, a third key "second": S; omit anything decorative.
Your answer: {"hour": 3, "minute": 26}
